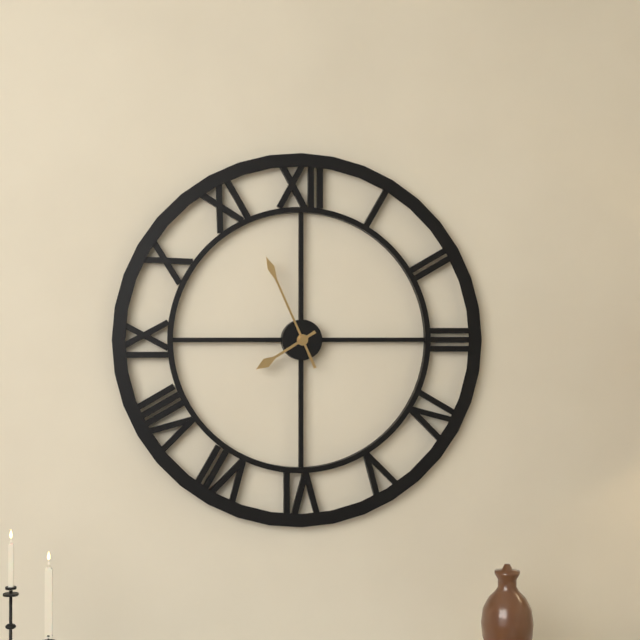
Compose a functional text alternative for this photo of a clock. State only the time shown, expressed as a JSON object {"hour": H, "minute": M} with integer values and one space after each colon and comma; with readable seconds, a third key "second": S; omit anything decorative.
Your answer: {"hour": 7, "minute": 56}
